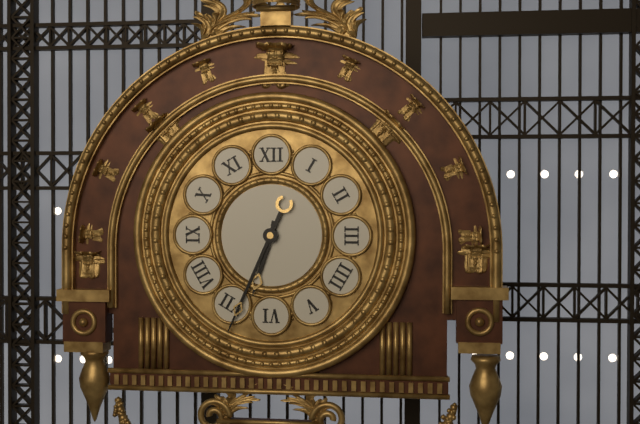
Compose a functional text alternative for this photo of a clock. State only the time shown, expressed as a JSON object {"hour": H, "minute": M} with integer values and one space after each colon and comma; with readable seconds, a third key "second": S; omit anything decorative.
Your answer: {"hour": 6, "minute": 34}
